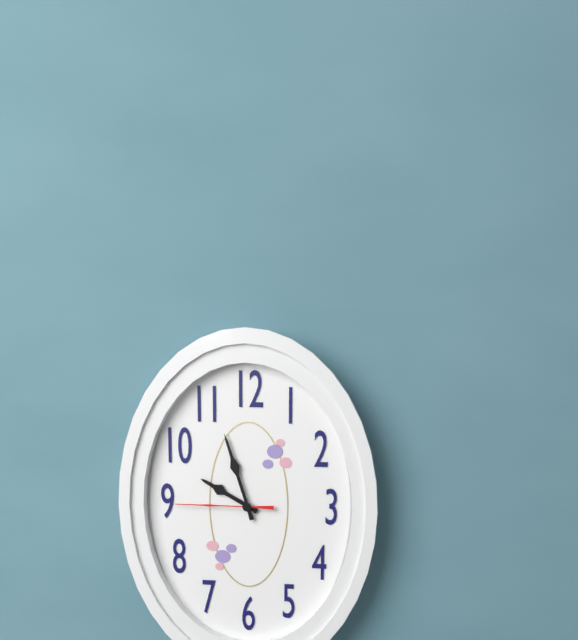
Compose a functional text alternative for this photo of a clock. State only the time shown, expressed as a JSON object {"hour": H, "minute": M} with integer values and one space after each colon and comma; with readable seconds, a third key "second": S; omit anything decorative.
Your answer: {"hour": 9, "minute": 57, "second": 45}
